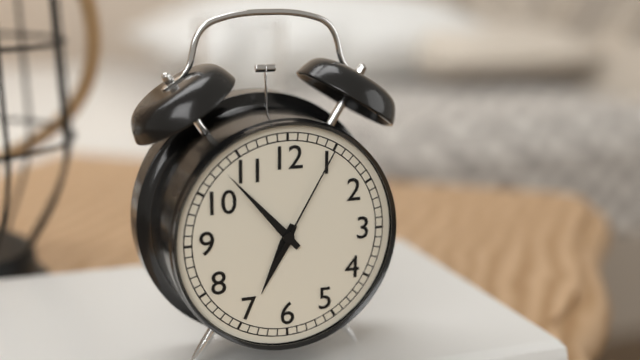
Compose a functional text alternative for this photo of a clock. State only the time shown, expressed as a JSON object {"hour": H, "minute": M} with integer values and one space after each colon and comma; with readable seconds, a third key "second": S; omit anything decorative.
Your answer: {"hour": 6, "minute": 53, "second": 5}
